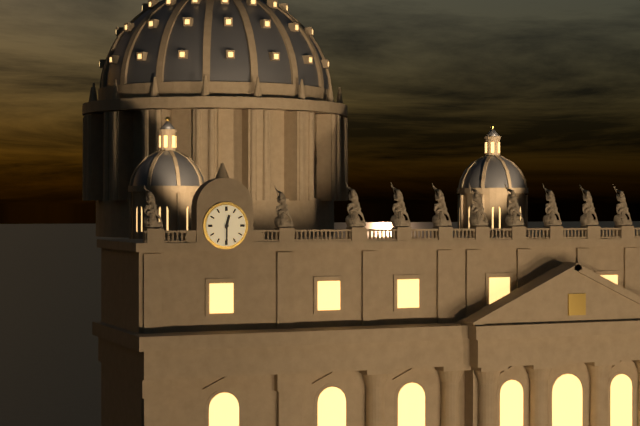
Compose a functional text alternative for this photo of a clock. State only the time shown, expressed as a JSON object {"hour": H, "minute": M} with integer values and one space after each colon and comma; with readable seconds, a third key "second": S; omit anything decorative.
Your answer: {"hour": 12, "minute": 30}
